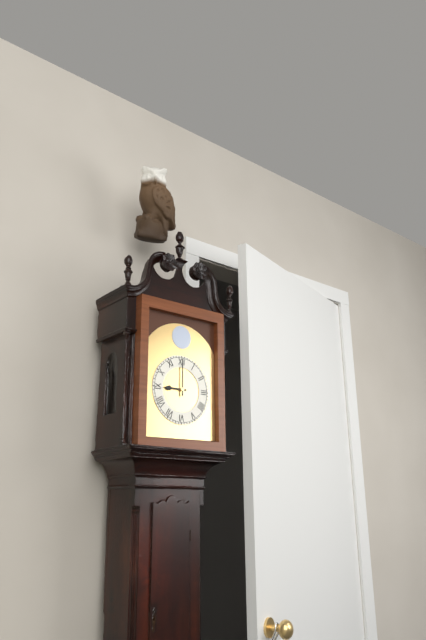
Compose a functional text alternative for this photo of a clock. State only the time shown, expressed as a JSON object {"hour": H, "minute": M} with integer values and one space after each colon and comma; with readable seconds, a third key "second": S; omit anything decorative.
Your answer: {"hour": 9, "minute": 0}
